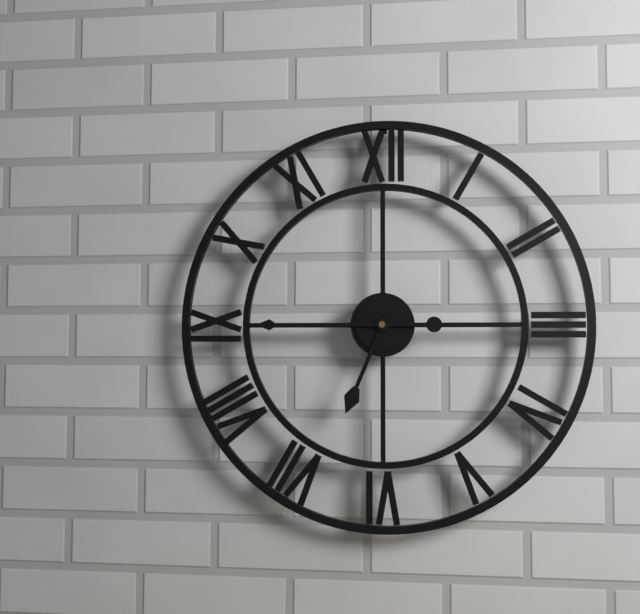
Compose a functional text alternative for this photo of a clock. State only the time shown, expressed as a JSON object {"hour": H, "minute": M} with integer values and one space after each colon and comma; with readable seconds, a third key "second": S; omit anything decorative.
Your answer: {"hour": 6, "minute": 45}
